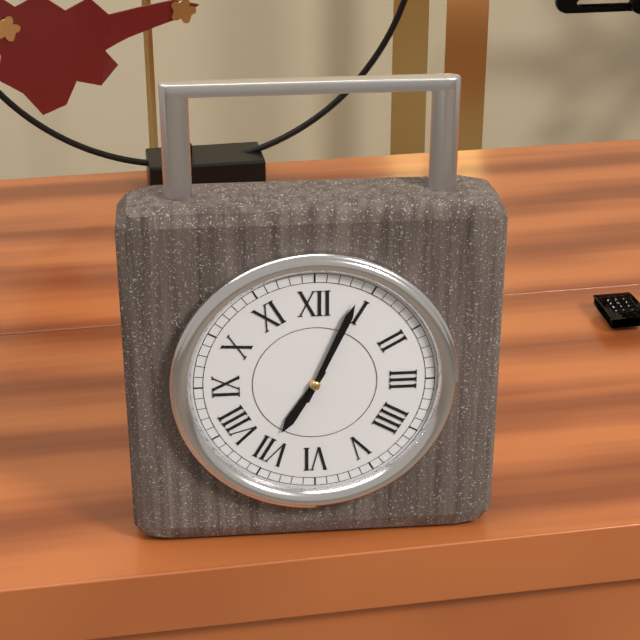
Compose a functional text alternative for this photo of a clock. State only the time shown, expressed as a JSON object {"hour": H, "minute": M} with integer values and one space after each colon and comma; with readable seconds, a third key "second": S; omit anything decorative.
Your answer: {"hour": 7, "minute": 4}
